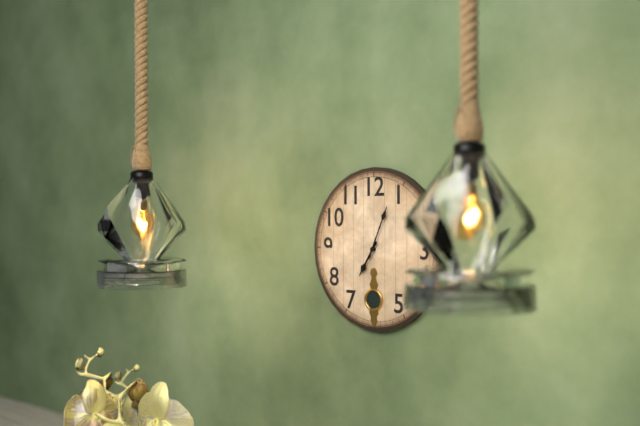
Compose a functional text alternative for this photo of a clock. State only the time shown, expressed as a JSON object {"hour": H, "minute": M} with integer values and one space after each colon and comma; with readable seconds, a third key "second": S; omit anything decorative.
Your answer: {"hour": 7, "minute": 4}
